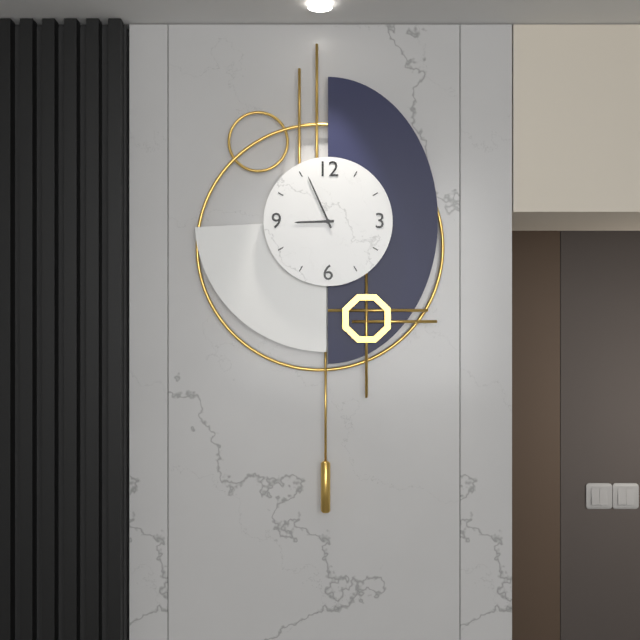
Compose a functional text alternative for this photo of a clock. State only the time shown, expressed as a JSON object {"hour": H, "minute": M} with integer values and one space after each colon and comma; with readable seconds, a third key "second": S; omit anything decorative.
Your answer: {"hour": 8, "minute": 56}
